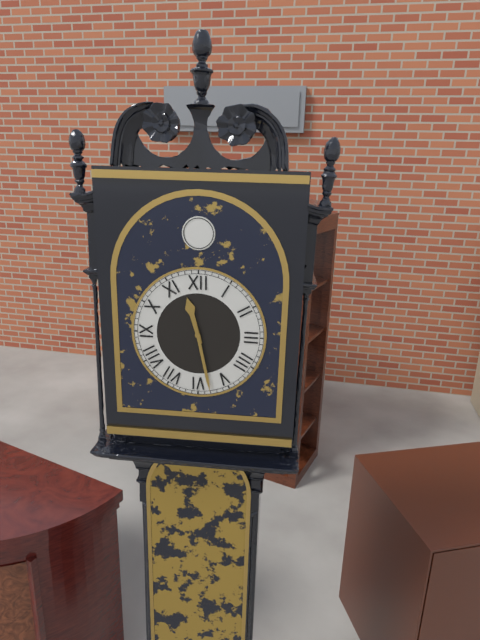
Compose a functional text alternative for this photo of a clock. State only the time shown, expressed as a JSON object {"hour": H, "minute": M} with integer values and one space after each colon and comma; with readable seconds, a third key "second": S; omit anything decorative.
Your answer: {"hour": 11, "minute": 28}
